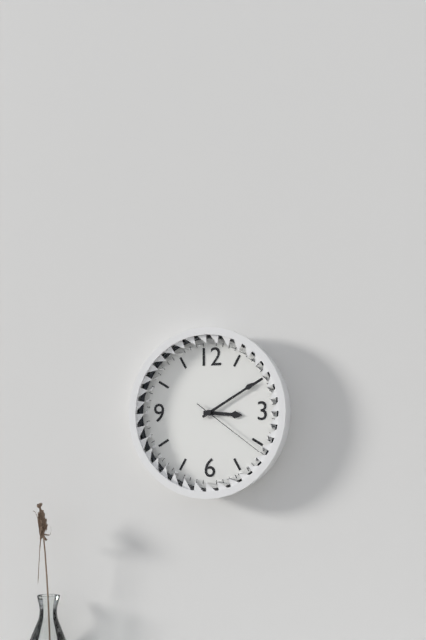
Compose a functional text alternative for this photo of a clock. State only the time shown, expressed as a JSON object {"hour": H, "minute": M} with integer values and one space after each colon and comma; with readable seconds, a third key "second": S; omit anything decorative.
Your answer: {"hour": 3, "minute": 10, "second": 21}
